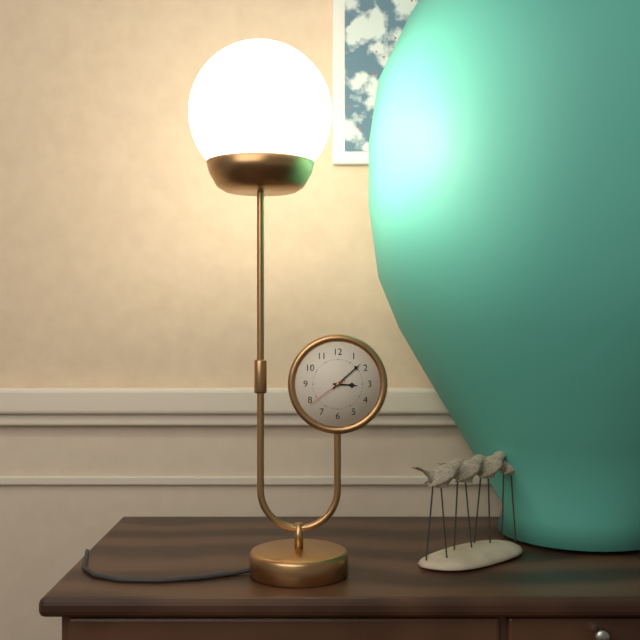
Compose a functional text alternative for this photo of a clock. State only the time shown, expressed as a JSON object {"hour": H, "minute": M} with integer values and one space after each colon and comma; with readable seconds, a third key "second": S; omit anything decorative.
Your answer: {"hour": 3, "minute": 8}
